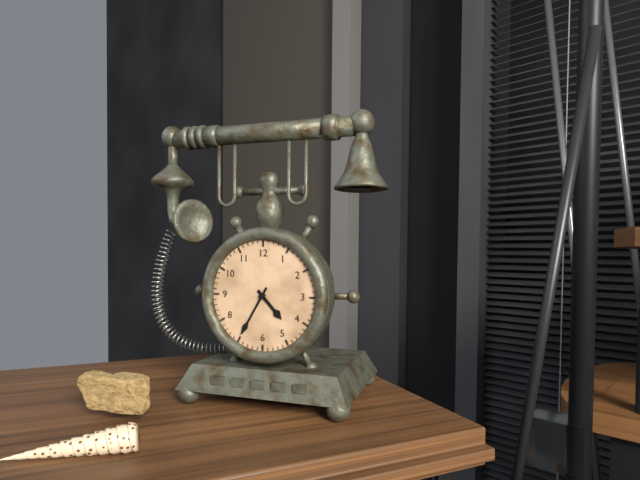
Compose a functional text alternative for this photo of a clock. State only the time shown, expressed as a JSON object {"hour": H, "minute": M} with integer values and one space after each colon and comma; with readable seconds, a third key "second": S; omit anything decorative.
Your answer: {"hour": 4, "minute": 35}
